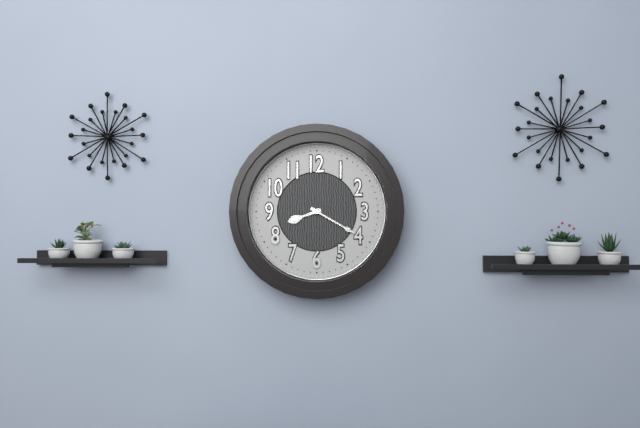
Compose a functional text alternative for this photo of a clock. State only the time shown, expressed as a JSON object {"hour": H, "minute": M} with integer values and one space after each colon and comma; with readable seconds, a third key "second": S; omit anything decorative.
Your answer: {"hour": 8, "minute": 20}
